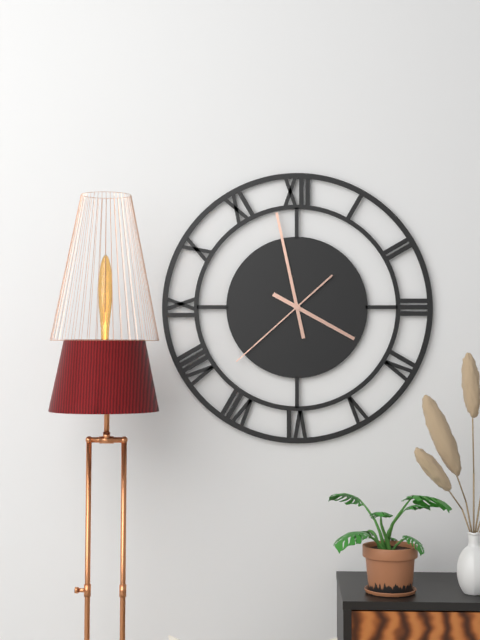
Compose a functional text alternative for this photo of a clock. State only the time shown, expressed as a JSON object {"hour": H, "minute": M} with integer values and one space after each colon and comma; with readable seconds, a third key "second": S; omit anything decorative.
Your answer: {"hour": 3, "minute": 58, "second": 38}
